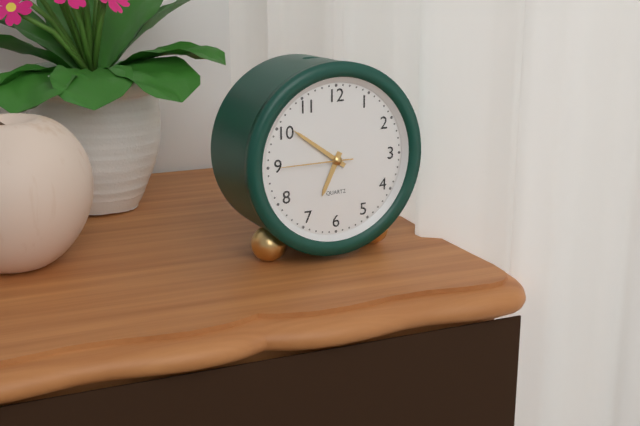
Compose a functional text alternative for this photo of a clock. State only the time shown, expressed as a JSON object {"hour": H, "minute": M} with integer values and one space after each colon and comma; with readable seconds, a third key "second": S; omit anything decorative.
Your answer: {"hour": 6, "minute": 51, "second": 45}
